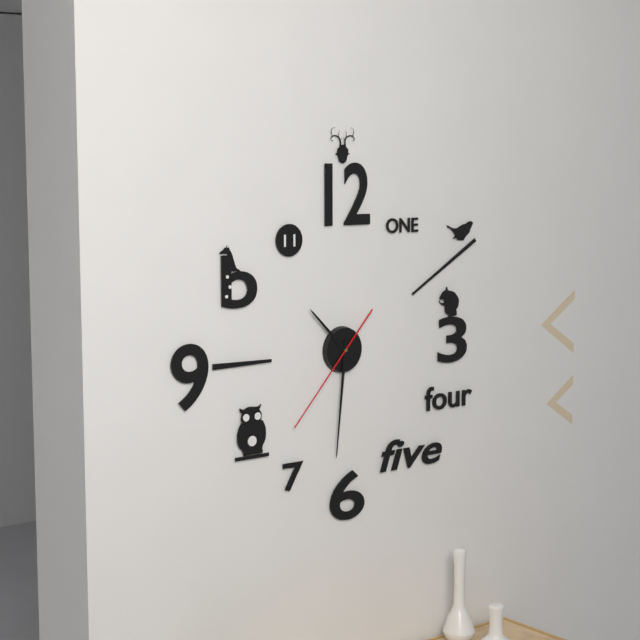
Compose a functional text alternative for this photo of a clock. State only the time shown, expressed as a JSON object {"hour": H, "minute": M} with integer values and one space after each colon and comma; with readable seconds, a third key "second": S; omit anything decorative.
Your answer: {"hour": 10, "minute": 31, "second": 37}
